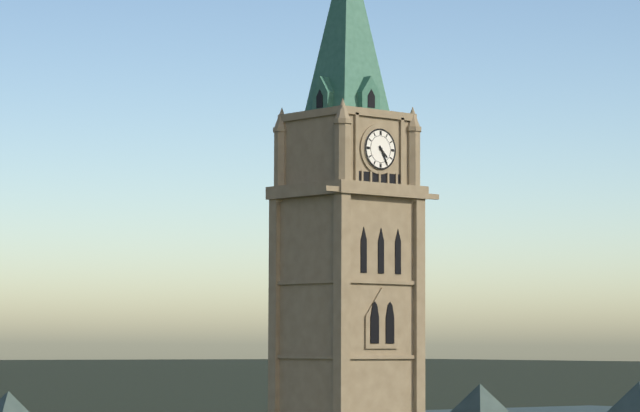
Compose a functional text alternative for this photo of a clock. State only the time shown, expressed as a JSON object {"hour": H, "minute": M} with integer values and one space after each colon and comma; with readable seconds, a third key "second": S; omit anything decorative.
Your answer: {"hour": 4, "minute": 25}
